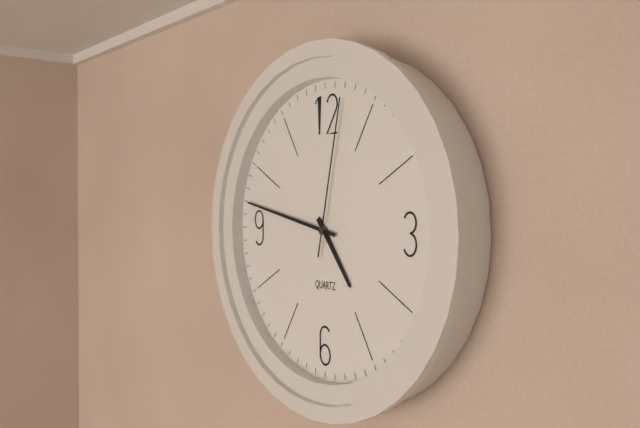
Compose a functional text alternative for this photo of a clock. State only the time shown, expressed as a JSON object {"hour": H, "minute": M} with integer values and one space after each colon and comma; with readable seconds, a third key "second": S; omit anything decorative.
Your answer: {"hour": 4, "minute": 47, "second": 2}
